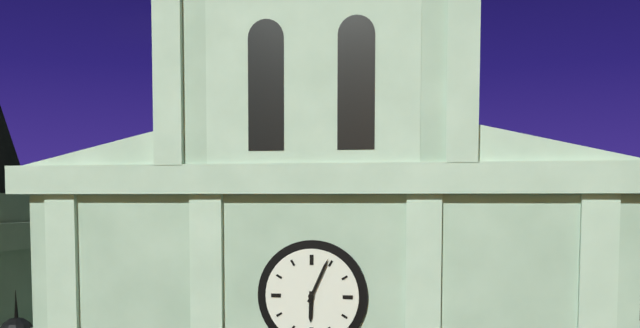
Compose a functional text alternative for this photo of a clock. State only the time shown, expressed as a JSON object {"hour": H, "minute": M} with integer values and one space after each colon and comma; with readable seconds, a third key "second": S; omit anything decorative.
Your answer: {"hour": 6, "minute": 4}
